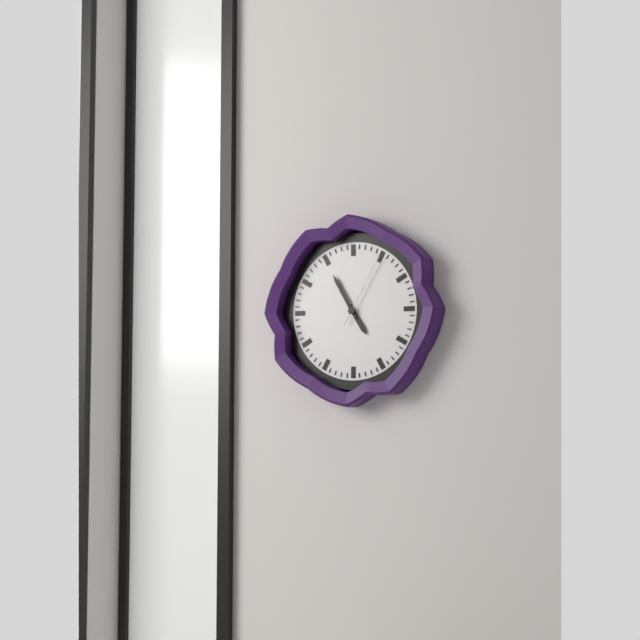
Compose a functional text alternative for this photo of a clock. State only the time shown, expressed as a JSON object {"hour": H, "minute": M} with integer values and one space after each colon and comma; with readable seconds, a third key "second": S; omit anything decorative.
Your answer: {"hour": 4, "minute": 55, "second": 5}
